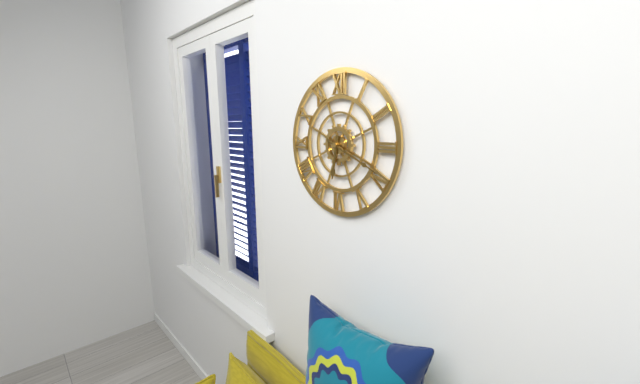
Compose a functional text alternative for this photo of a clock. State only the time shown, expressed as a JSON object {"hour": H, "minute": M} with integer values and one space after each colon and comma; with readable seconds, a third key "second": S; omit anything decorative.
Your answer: {"hour": 6, "minute": 19}
